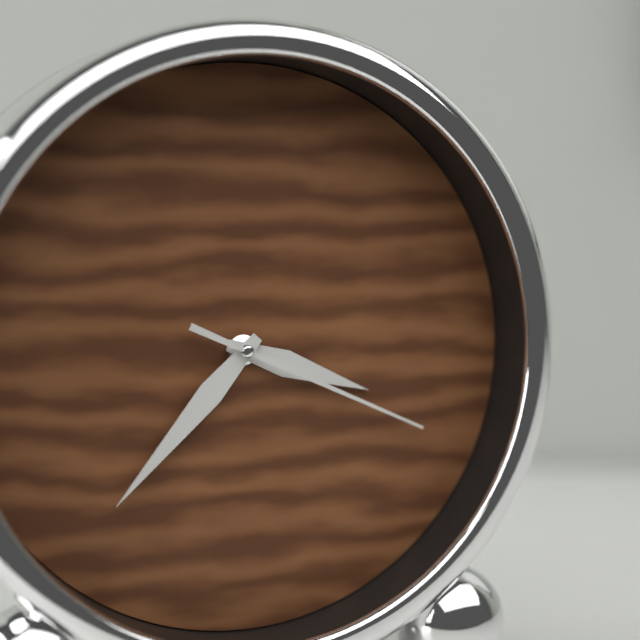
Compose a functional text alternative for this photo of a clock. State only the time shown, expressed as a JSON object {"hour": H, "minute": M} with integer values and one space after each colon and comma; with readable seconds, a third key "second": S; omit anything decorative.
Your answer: {"hour": 3, "minute": 37, "second": 19}
